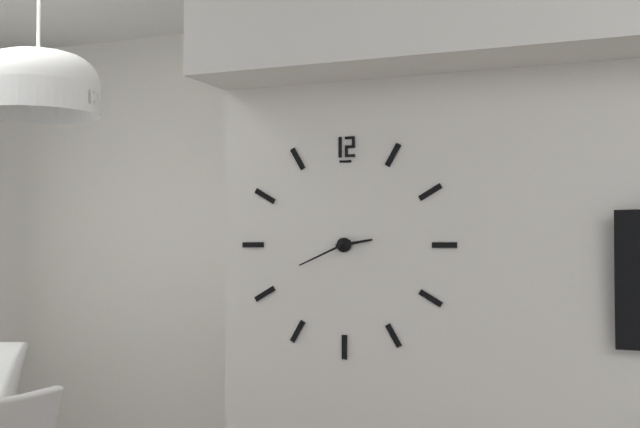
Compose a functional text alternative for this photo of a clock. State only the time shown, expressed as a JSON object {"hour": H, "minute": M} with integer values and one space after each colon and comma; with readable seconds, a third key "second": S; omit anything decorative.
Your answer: {"hour": 2, "minute": 41}
